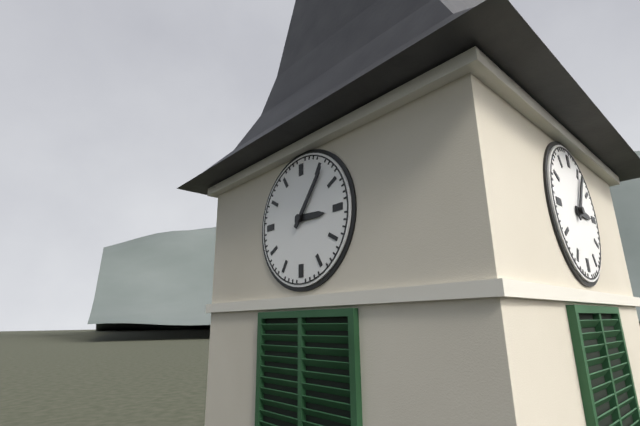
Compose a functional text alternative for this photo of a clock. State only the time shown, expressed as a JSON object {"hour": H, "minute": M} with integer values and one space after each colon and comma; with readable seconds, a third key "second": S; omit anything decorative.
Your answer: {"hour": 3, "minute": 6}
